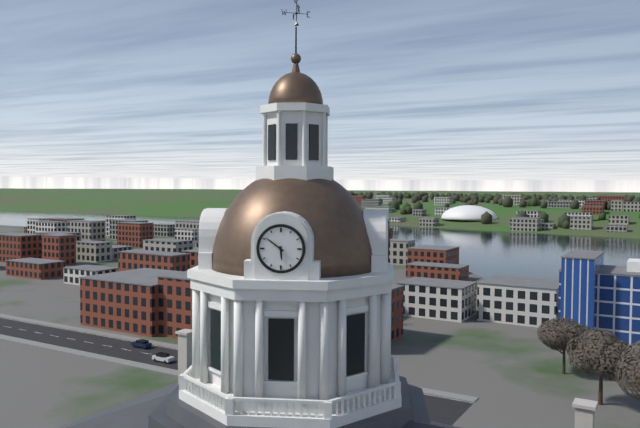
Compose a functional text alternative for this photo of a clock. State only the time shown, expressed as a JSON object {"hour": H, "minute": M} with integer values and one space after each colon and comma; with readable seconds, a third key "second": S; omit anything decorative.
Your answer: {"hour": 5, "minute": 51}
